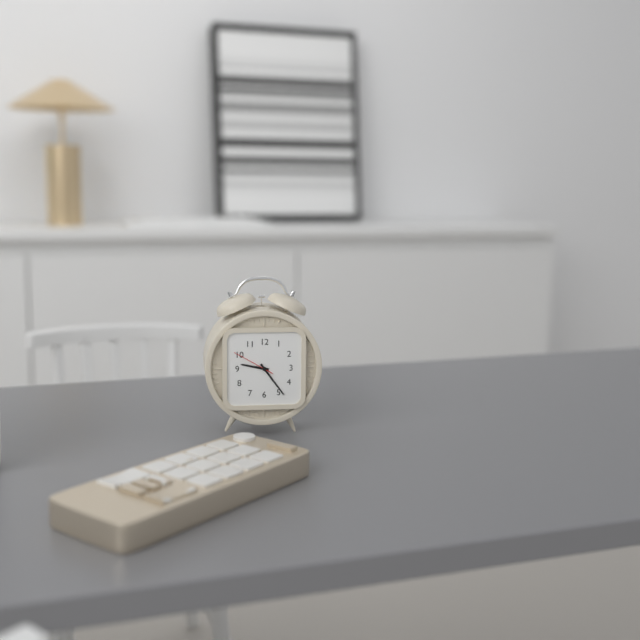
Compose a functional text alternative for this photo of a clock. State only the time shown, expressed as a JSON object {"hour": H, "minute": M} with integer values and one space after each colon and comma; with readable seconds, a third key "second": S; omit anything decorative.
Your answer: {"hour": 9, "minute": 24}
